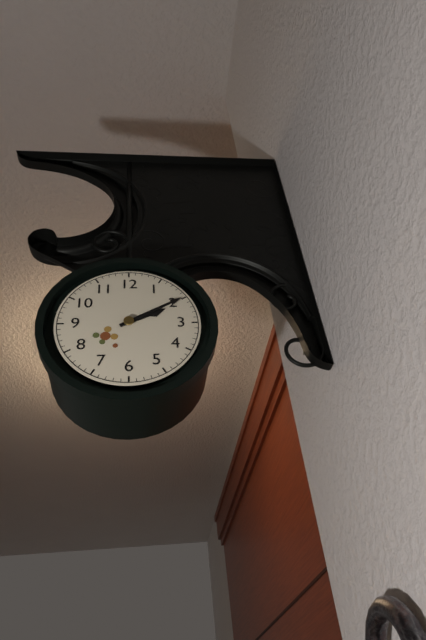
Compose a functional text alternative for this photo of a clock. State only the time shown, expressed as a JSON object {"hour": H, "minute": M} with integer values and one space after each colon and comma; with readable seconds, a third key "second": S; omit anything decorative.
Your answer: {"hour": 2, "minute": 10}
